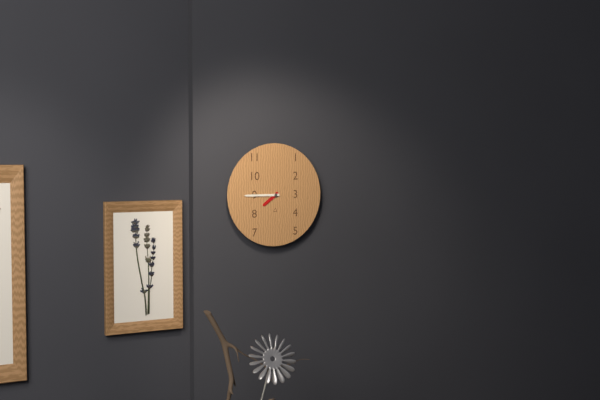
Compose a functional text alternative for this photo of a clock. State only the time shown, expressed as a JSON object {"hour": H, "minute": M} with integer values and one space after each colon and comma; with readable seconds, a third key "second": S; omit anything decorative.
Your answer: {"hour": 7, "minute": 45}
